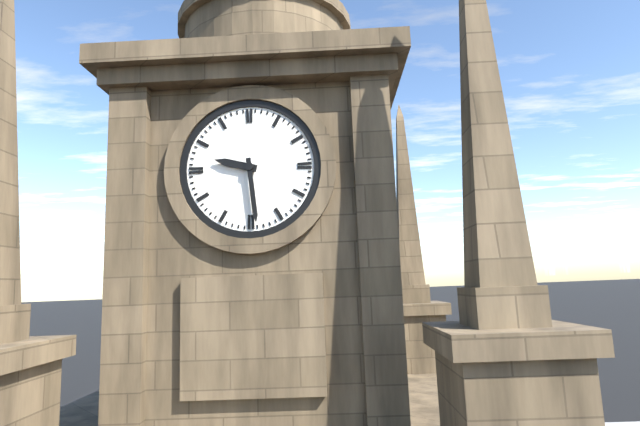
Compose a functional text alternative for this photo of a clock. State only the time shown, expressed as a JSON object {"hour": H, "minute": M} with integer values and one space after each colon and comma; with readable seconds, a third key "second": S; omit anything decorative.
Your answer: {"hour": 9, "minute": 29}
